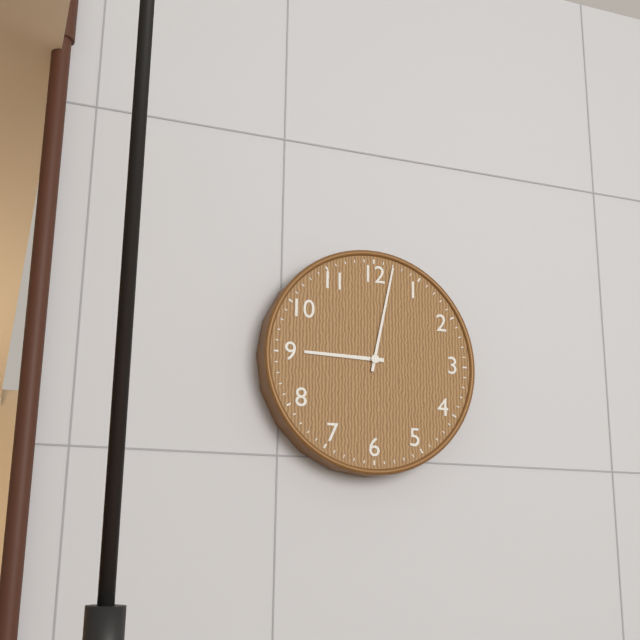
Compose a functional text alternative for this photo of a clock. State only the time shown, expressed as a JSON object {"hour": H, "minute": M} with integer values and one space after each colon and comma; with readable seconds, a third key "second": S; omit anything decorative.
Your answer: {"hour": 9, "minute": 2}
